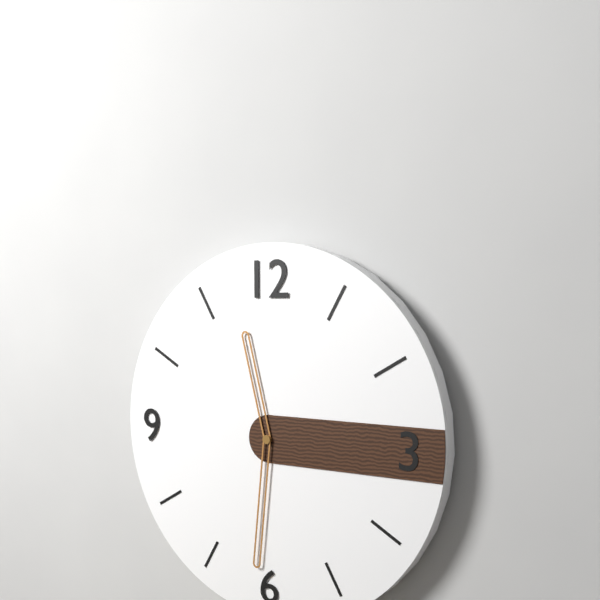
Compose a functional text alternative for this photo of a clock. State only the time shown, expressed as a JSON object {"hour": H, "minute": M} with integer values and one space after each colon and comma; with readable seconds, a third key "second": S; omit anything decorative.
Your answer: {"hour": 11, "minute": 31}
